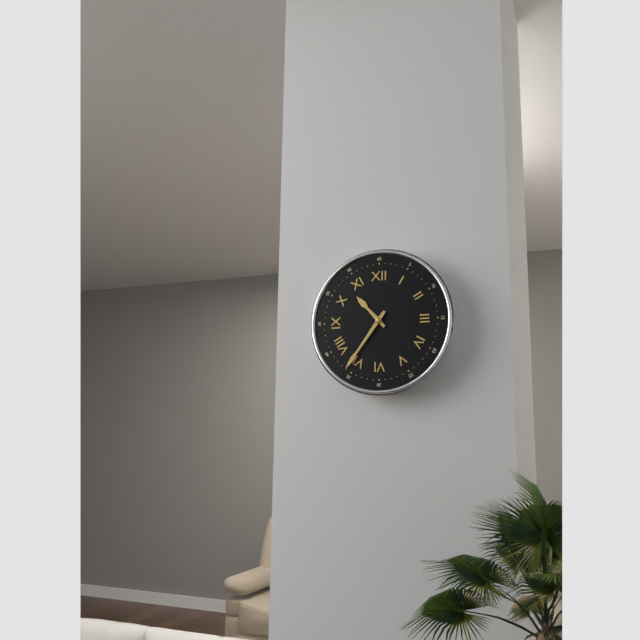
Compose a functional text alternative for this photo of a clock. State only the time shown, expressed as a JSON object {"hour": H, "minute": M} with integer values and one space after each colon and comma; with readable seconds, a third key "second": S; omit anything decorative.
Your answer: {"hour": 10, "minute": 36}
